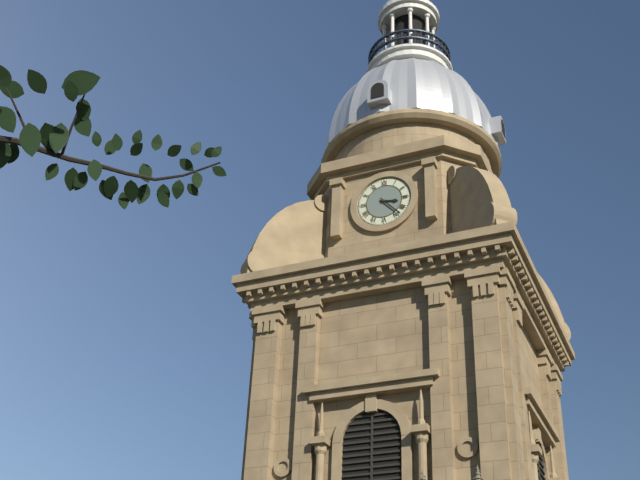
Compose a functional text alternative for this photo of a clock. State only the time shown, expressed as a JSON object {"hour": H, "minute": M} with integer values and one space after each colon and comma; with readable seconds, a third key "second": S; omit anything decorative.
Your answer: {"hour": 3, "minute": 23}
